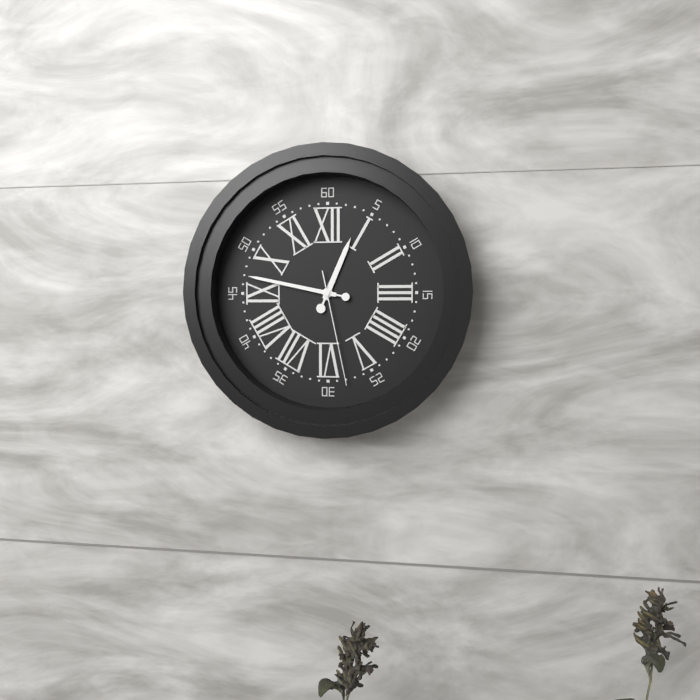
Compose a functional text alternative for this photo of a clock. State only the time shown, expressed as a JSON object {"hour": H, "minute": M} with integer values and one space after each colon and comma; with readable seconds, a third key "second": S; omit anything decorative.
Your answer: {"hour": 12, "minute": 47, "second": 28}
